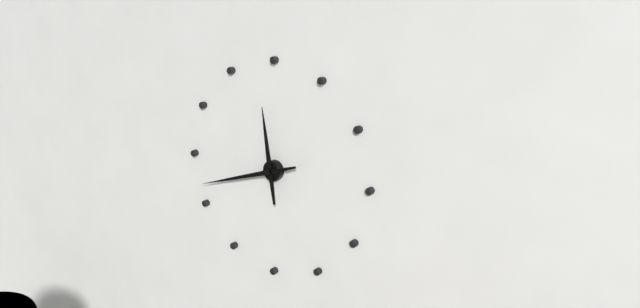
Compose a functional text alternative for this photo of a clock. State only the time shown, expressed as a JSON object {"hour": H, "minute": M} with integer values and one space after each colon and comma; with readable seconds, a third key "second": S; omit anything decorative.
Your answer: {"hour": 11, "minute": 42}
